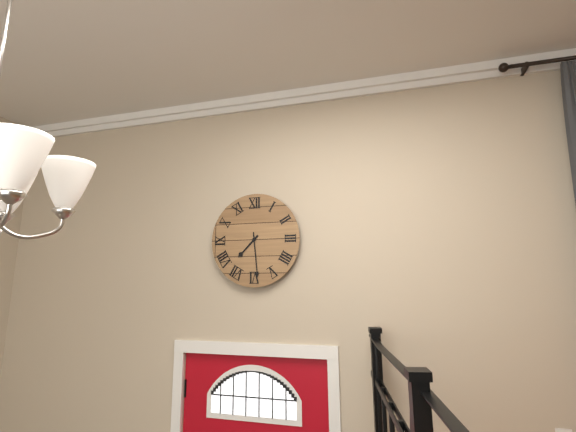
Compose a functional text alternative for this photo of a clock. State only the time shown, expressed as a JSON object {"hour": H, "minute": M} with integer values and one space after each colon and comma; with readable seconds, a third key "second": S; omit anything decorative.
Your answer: {"hour": 7, "minute": 29}
